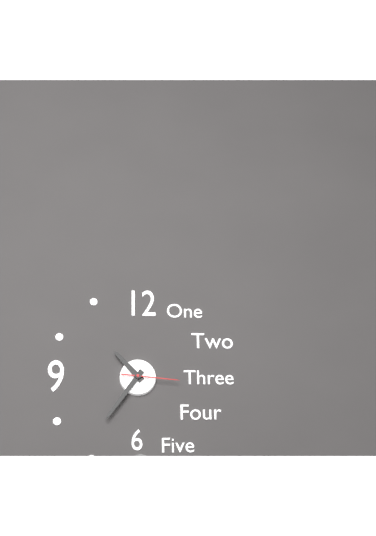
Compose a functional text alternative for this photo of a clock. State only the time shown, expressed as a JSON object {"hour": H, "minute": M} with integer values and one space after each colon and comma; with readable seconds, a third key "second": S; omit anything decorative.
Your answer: {"hour": 10, "minute": 36, "second": 16}
